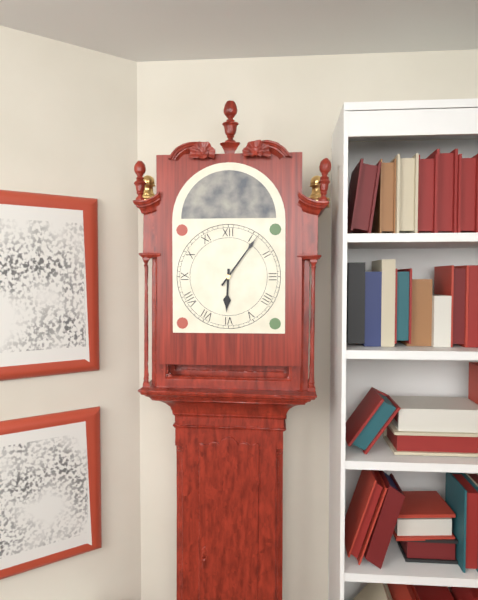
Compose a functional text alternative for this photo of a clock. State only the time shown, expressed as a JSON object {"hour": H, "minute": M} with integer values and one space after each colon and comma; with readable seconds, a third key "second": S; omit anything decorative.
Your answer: {"hour": 6, "minute": 6}
